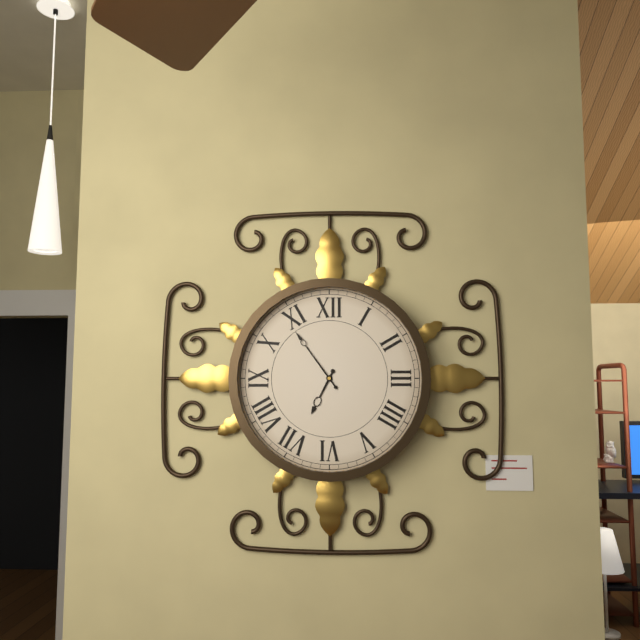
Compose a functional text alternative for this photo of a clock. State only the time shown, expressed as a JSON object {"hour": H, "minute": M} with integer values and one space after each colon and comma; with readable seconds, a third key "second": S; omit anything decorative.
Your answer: {"hour": 6, "minute": 54}
